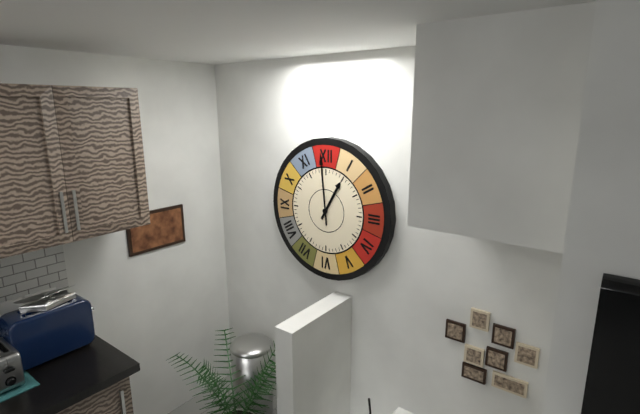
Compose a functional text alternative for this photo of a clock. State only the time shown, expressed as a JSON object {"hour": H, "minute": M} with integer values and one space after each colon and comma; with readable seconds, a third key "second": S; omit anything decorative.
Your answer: {"hour": 12, "minute": 59}
